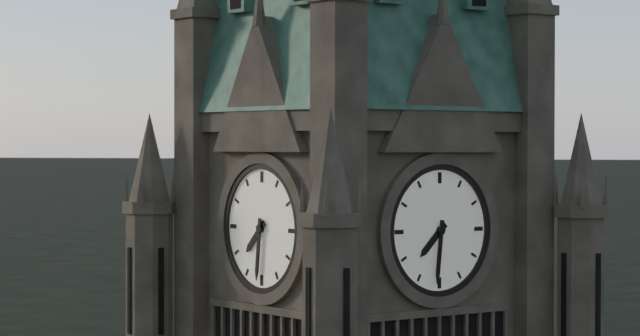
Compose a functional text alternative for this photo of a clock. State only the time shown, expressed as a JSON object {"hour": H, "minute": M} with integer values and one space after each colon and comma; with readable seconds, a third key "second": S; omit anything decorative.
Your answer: {"hour": 7, "minute": 31}
